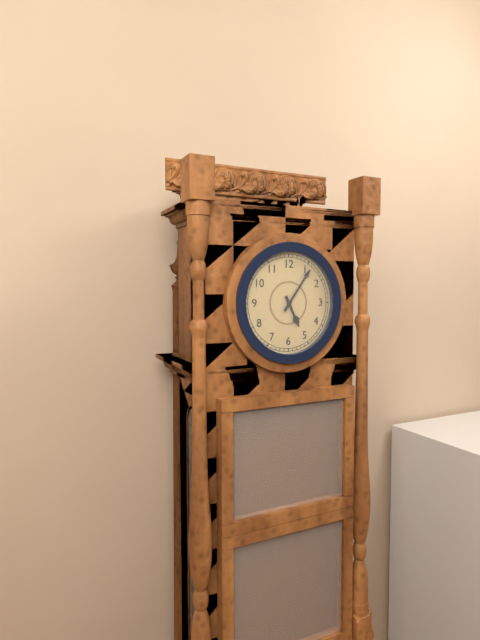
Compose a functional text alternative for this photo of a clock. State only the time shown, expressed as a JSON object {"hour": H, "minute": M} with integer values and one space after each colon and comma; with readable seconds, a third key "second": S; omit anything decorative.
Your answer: {"hour": 5, "minute": 6}
